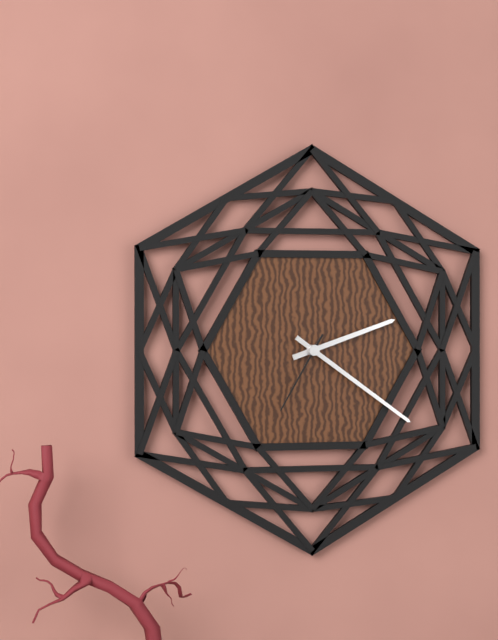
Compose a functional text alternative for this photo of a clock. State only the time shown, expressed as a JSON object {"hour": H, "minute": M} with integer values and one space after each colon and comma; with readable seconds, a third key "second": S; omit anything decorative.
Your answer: {"hour": 2, "minute": 21, "second": 35}
